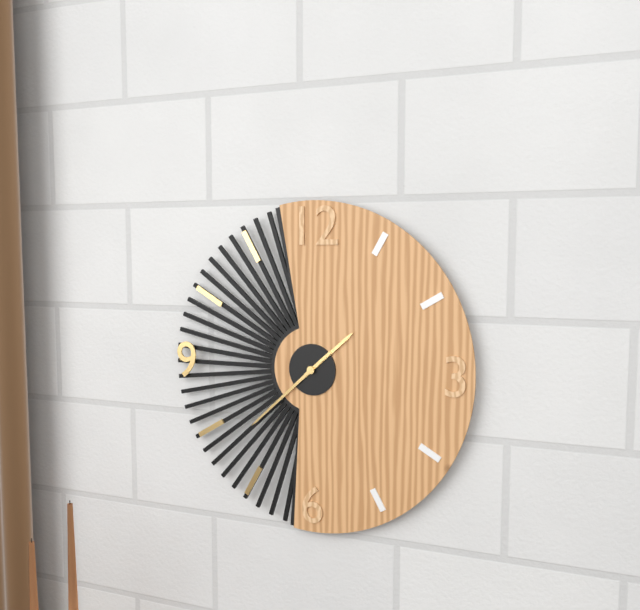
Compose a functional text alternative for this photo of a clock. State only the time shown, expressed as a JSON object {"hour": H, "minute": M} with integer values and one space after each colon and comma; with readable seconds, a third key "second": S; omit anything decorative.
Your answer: {"hour": 1, "minute": 38}
